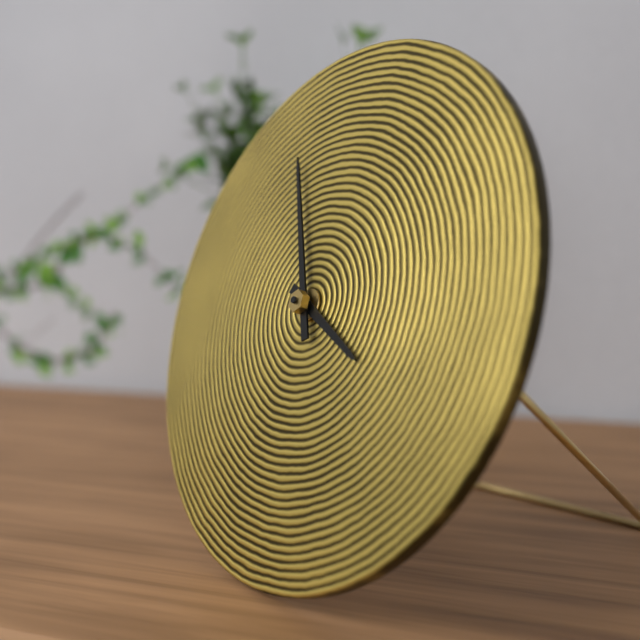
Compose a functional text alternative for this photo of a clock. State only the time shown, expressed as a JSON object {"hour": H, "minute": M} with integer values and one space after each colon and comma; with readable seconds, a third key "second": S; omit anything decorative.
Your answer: {"hour": 3, "minute": 56}
